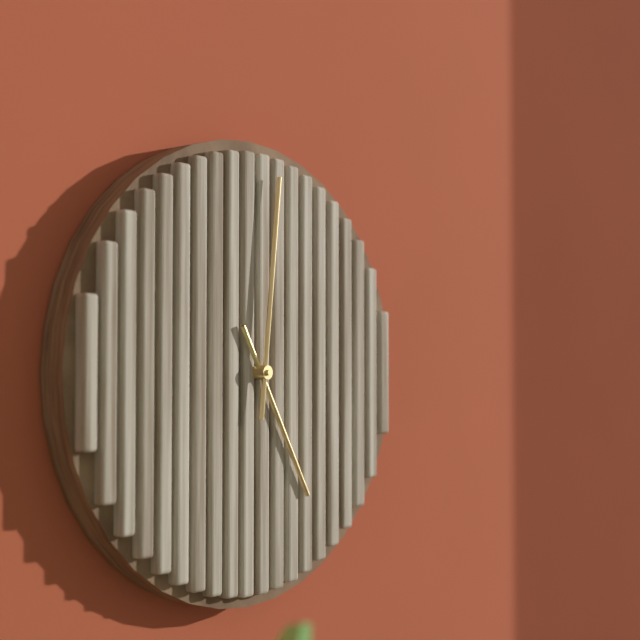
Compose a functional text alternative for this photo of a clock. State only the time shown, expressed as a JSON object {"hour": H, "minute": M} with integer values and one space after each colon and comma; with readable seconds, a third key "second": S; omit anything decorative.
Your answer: {"hour": 5, "minute": 1}
